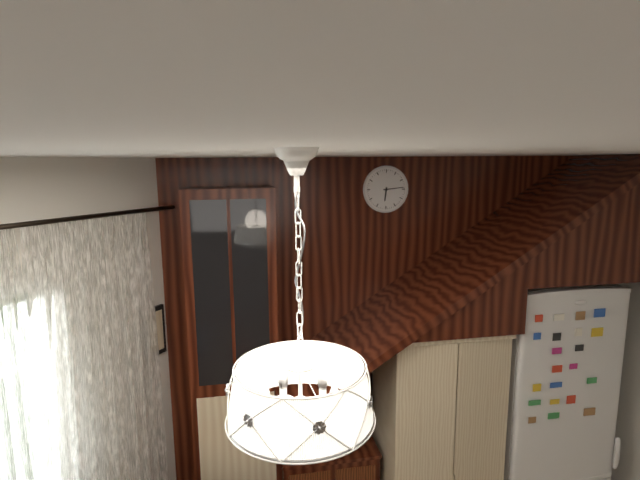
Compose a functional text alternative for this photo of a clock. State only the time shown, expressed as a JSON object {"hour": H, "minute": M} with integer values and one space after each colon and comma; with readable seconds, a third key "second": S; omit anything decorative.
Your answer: {"hour": 6, "minute": 14}
